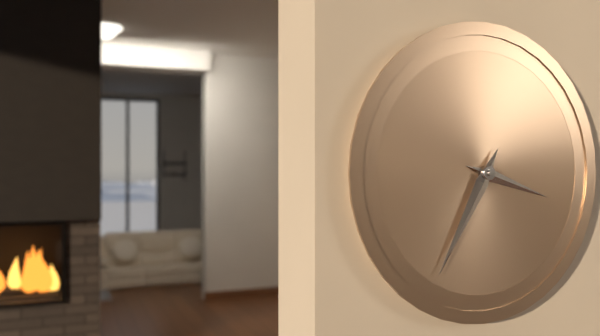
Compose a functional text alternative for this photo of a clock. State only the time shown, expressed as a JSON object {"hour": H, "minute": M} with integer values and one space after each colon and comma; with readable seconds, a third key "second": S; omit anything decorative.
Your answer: {"hour": 3, "minute": 35}
